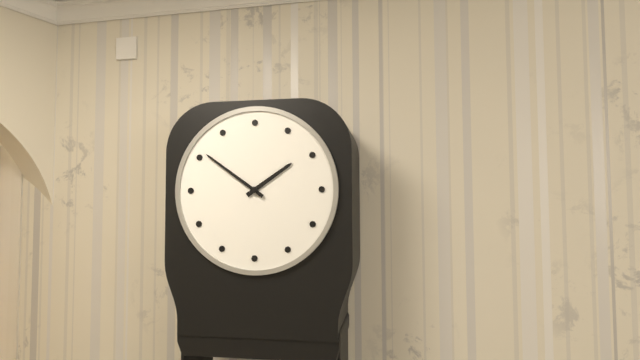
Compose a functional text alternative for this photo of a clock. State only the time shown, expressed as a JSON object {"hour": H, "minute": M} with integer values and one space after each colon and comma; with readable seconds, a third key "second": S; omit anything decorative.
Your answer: {"hour": 1, "minute": 51}
